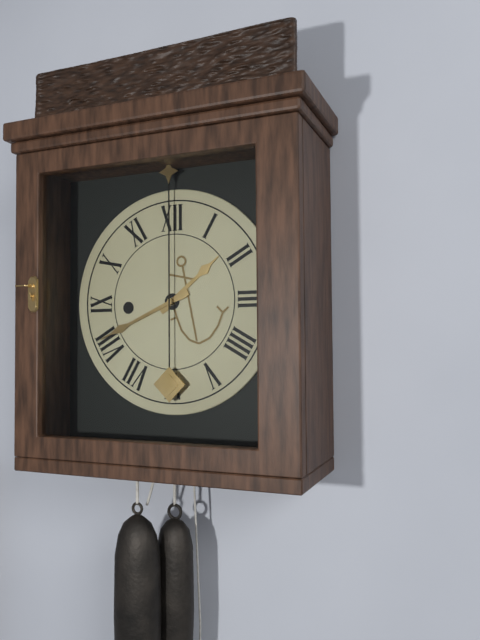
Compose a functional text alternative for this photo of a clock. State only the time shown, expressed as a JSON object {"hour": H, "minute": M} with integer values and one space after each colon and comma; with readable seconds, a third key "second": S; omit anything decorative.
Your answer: {"hour": 1, "minute": 41}
